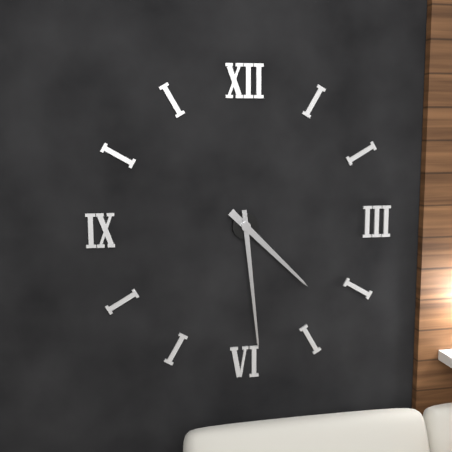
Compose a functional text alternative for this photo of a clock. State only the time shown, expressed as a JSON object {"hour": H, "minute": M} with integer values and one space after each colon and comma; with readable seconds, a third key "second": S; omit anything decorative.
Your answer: {"hour": 4, "minute": 29}
